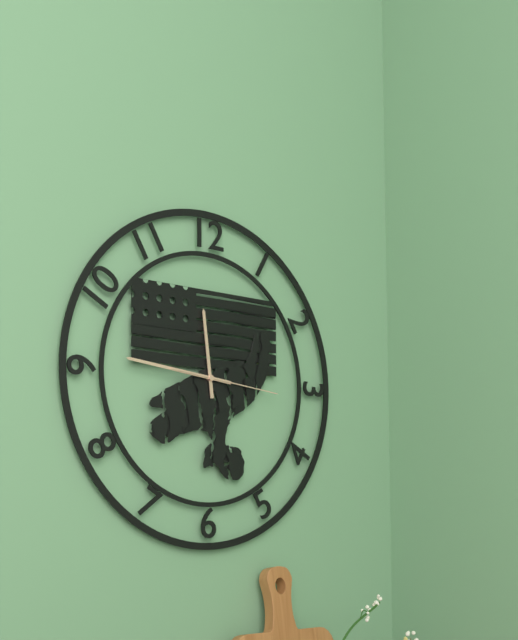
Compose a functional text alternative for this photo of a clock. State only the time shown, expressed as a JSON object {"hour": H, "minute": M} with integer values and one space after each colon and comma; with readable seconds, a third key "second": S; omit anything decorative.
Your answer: {"hour": 11, "minute": 46, "second": 16}
